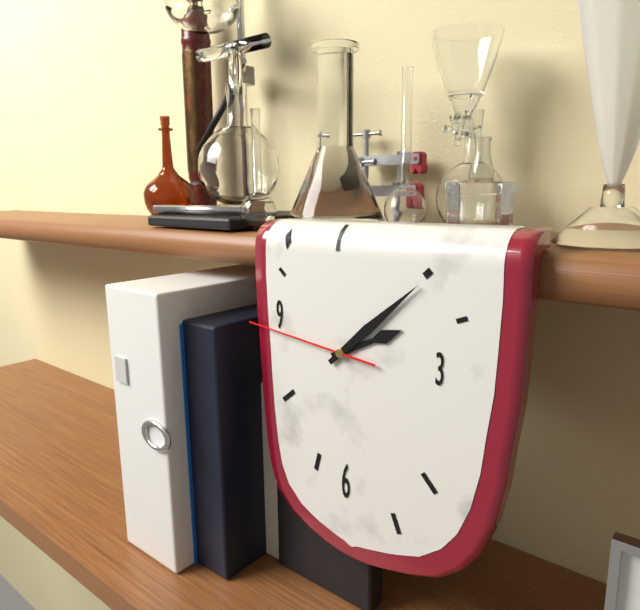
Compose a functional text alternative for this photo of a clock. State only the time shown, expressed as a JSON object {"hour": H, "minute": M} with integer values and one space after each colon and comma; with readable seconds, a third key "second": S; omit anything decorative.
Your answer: {"hour": 2, "minute": 8, "second": 46}
